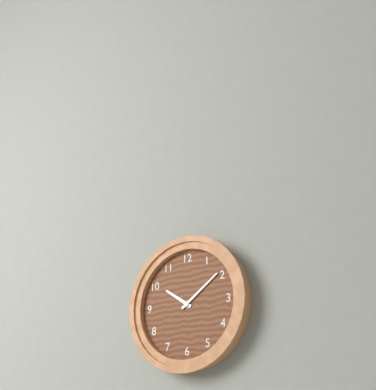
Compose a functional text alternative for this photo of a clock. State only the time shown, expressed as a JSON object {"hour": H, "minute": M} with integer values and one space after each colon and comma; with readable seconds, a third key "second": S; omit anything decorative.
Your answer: {"hour": 10, "minute": 9}
